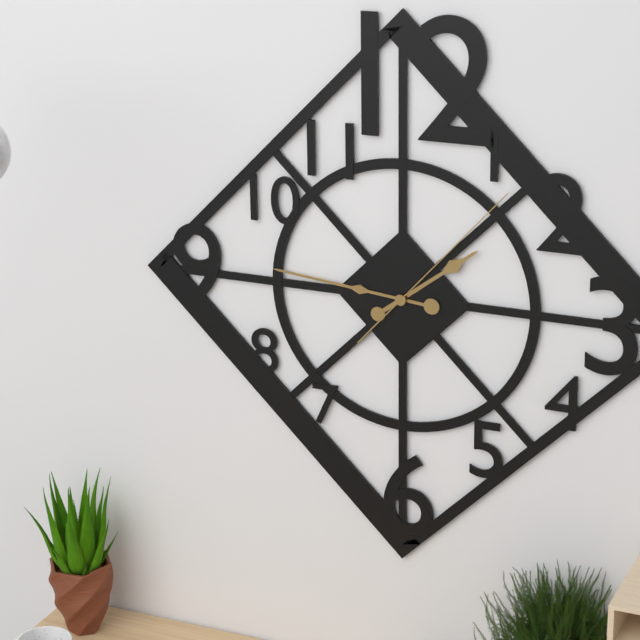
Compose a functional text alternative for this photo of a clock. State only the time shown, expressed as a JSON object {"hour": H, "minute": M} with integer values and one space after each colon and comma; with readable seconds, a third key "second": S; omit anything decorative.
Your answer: {"hour": 1, "minute": 46, "second": 7}
